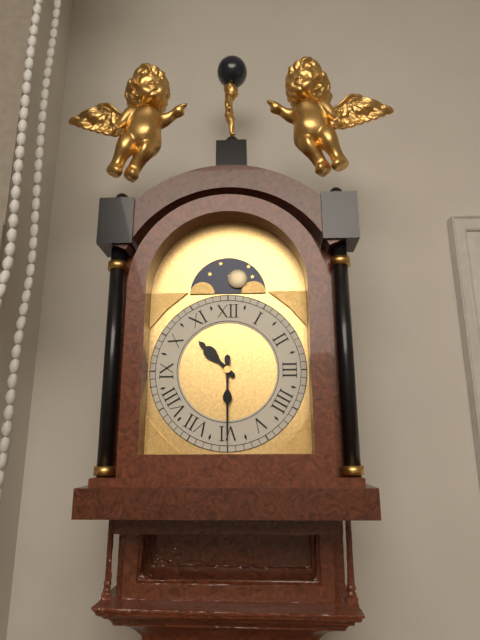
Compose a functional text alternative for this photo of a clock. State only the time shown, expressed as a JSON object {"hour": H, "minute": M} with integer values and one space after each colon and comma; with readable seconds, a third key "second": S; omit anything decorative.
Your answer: {"hour": 10, "minute": 30}
